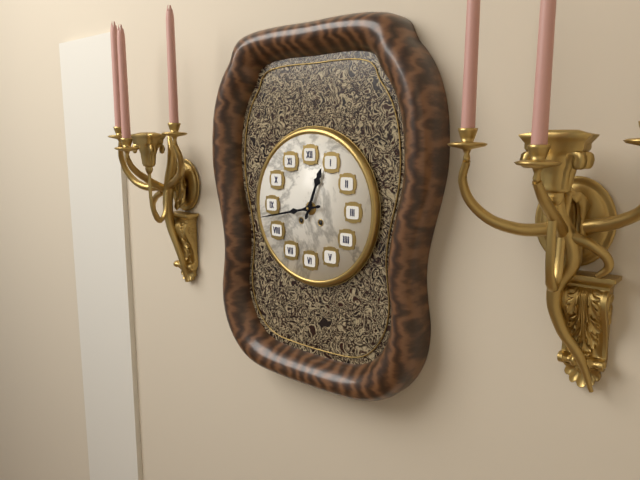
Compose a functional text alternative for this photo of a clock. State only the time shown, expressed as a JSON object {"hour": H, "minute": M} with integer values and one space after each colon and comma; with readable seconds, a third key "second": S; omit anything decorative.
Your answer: {"hour": 12, "minute": 43}
